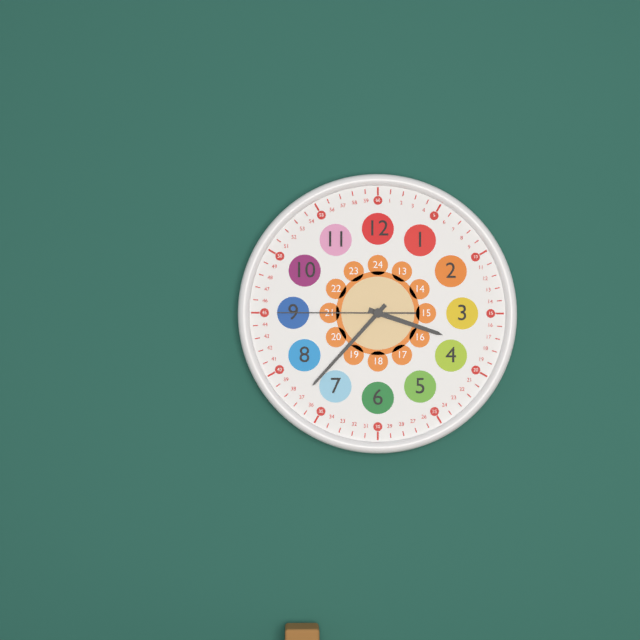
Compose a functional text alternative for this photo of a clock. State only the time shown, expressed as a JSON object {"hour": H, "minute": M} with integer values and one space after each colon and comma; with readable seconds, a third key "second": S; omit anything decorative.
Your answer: {"hour": 3, "minute": 37, "second": 45}
